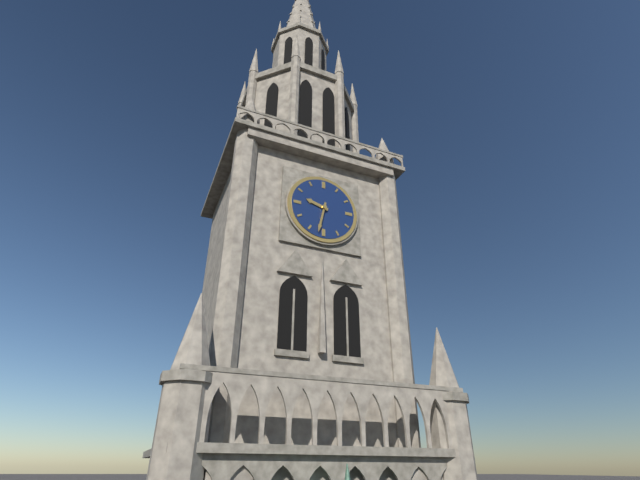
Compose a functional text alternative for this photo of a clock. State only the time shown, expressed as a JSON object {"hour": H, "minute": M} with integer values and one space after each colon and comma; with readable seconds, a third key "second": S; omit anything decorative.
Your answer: {"hour": 9, "minute": 32}
